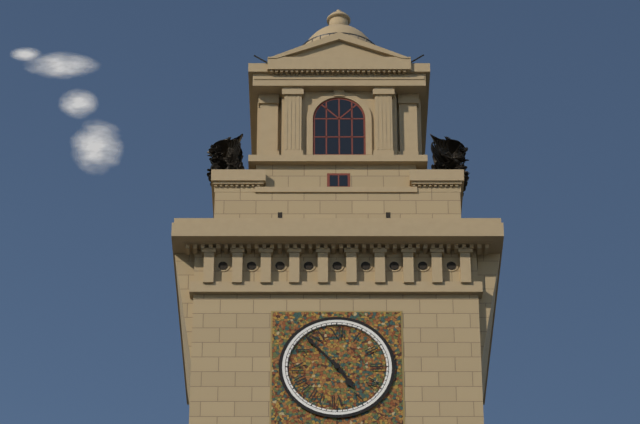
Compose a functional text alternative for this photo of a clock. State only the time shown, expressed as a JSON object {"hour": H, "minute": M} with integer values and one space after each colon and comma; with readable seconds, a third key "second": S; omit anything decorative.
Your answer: {"hour": 4, "minute": 53}
